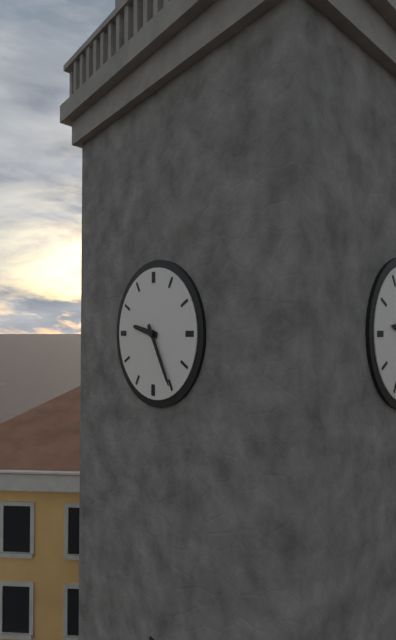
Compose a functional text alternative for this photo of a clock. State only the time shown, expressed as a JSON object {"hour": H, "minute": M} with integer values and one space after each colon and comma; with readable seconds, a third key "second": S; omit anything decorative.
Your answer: {"hour": 9, "minute": 25}
